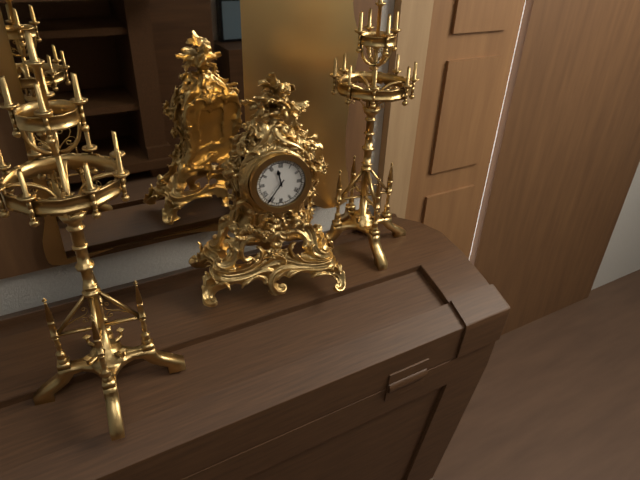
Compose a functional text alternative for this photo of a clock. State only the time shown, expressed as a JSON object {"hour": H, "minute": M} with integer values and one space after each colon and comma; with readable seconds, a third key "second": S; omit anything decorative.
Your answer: {"hour": 11, "minute": 36}
